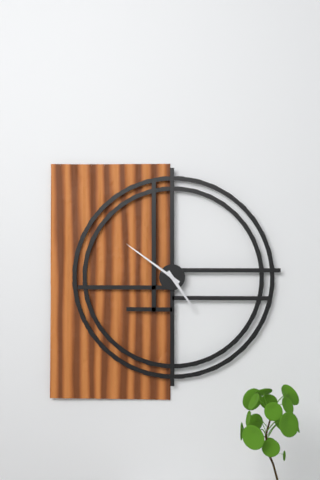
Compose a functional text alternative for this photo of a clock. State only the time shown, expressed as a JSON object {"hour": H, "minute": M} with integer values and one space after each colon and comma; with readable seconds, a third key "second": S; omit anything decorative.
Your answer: {"hour": 4, "minute": 51}
